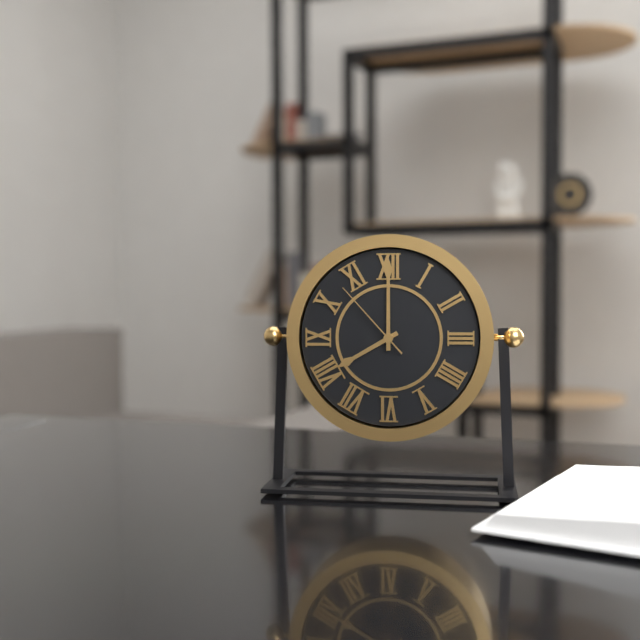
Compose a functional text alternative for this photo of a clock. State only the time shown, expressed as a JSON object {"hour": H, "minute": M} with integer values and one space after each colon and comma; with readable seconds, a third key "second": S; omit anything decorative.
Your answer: {"hour": 8, "minute": 0, "second": 53}
